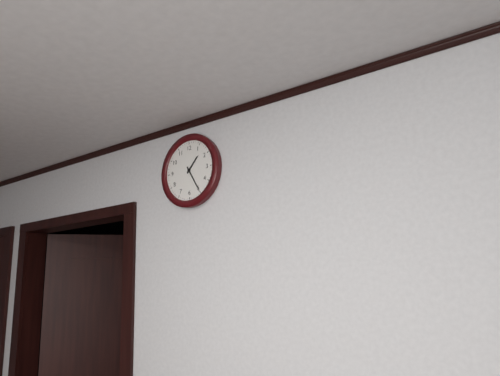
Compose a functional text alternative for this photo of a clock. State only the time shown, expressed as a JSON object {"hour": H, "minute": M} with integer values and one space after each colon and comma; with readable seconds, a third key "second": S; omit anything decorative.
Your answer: {"hour": 1, "minute": 25}
